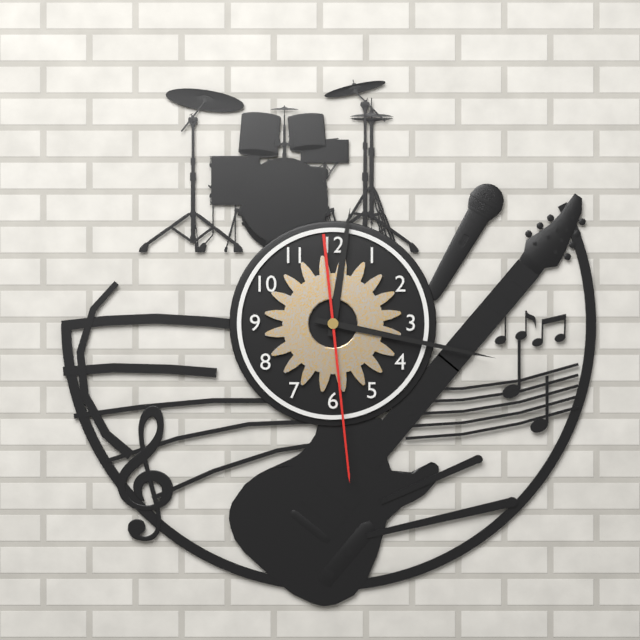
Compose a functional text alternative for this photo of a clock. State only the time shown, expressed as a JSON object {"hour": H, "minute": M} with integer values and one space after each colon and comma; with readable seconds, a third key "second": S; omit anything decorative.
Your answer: {"hour": 12, "minute": 17, "second": 29}
